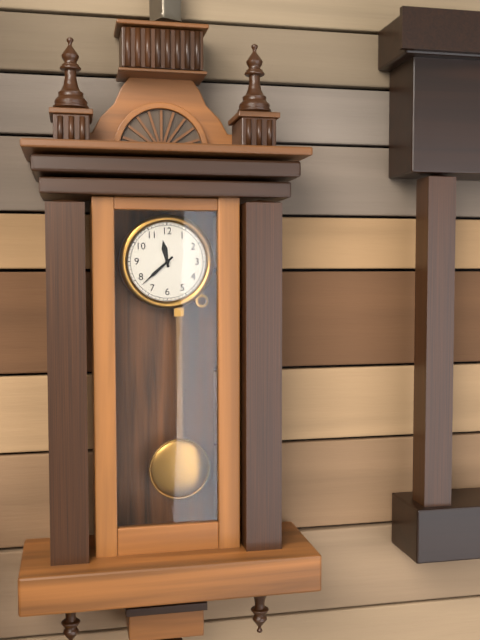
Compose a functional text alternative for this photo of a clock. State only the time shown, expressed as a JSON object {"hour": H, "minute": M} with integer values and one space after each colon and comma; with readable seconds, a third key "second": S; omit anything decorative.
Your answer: {"hour": 11, "minute": 38}
